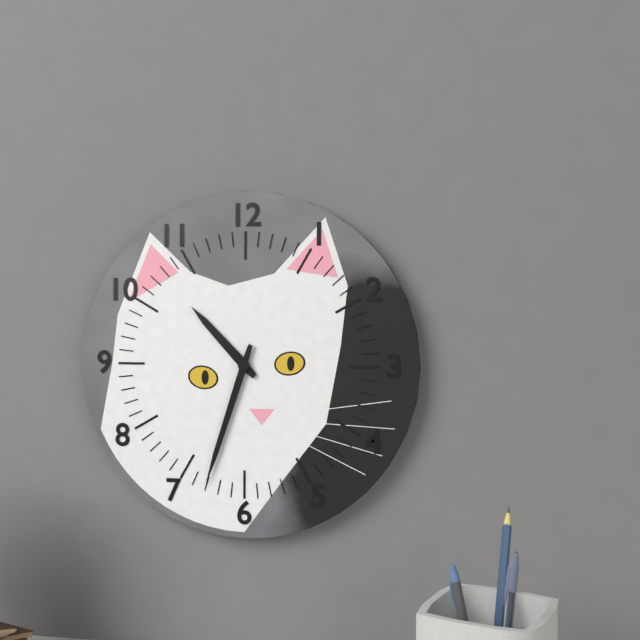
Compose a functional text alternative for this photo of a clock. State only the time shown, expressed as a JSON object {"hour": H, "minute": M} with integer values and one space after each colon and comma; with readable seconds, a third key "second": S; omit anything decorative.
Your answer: {"hour": 10, "minute": 33}
